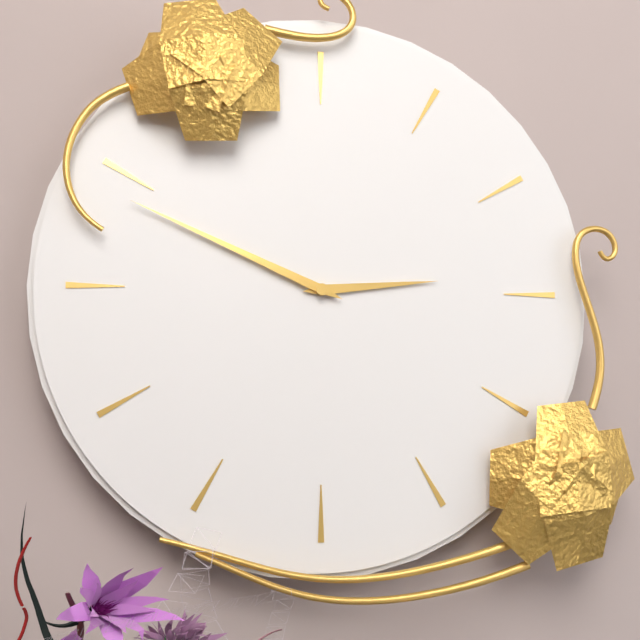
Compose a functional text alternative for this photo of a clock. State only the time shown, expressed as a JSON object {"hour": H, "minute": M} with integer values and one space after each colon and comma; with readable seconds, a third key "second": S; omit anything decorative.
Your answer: {"hour": 2, "minute": 49}
